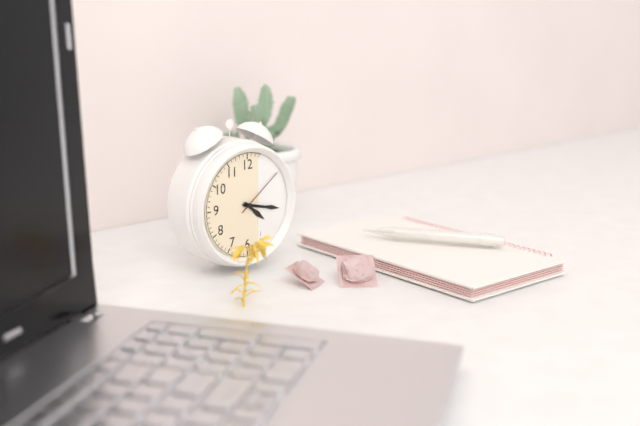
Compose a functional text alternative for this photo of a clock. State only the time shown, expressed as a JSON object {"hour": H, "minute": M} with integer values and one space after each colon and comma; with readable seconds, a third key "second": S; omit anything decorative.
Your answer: {"hour": 4, "minute": 17, "second": 9}
